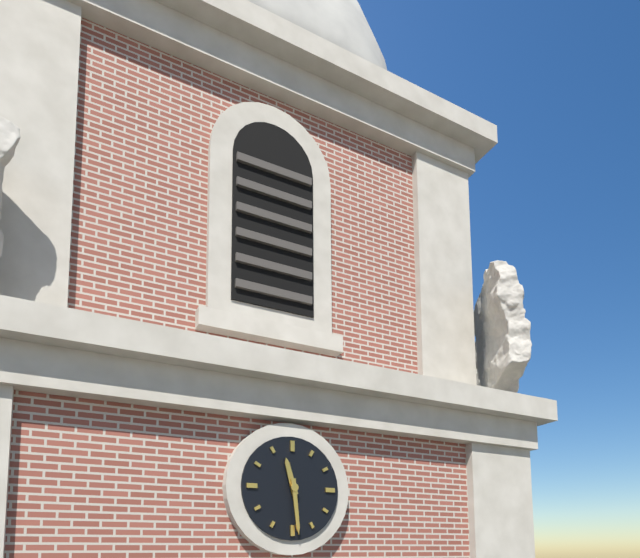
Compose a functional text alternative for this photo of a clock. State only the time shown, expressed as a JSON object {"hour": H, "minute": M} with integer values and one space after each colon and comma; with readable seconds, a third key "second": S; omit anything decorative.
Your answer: {"hour": 11, "minute": 29}
